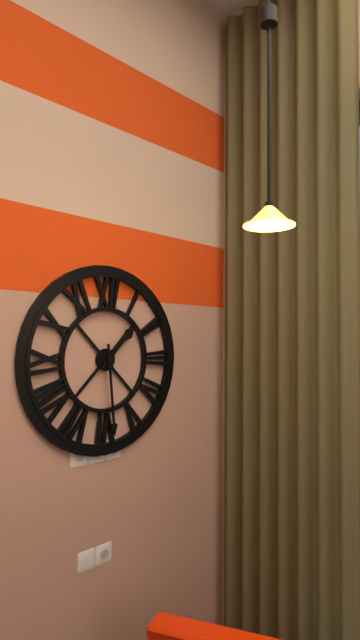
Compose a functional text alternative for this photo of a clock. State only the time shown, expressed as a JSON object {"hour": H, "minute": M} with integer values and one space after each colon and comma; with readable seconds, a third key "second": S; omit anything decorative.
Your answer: {"hour": 1, "minute": 29}
